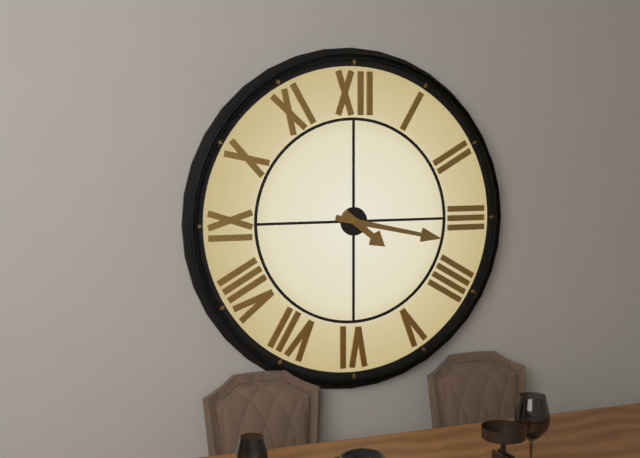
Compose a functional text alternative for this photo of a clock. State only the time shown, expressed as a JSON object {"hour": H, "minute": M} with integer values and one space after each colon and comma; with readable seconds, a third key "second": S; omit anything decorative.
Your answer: {"hour": 4, "minute": 17}
